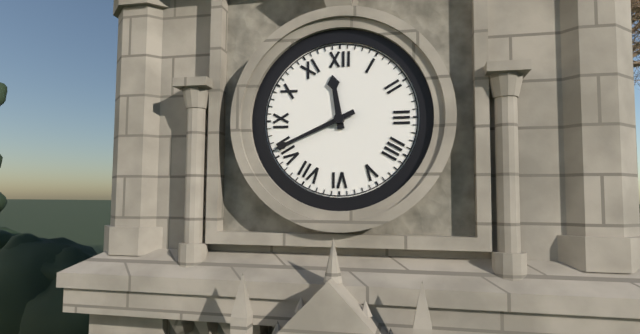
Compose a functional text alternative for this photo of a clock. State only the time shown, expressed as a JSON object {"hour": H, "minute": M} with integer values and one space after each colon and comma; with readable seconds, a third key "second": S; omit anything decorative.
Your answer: {"hour": 11, "minute": 41}
